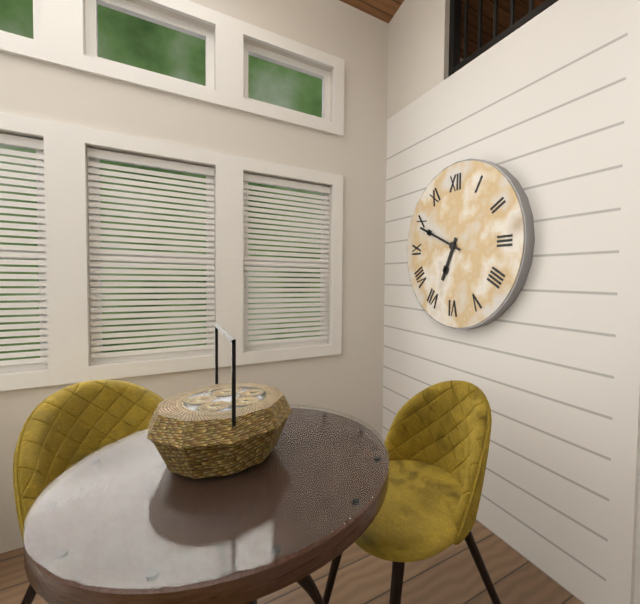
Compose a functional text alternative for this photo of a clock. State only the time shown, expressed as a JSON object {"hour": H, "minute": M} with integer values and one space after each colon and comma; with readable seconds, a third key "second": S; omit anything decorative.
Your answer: {"hour": 6, "minute": 49}
